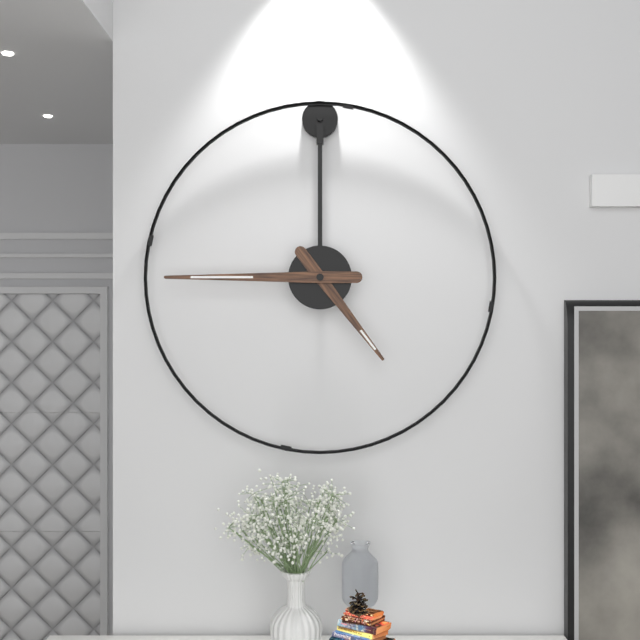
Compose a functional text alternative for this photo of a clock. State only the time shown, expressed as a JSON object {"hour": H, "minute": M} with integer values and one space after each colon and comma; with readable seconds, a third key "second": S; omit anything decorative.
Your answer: {"hour": 4, "minute": 45}
